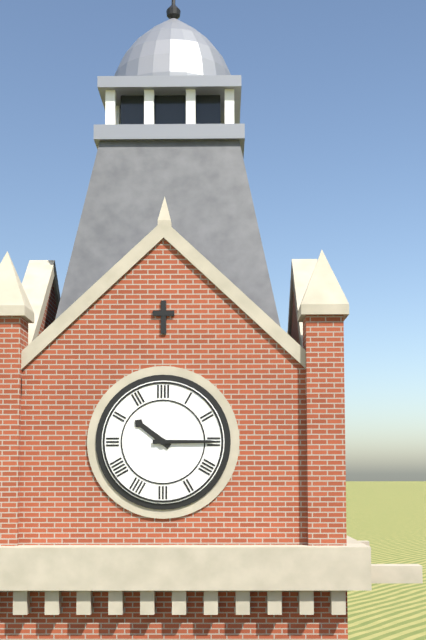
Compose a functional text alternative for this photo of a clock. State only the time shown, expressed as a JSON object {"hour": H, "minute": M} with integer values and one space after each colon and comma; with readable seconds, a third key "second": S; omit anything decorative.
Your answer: {"hour": 10, "minute": 15}
